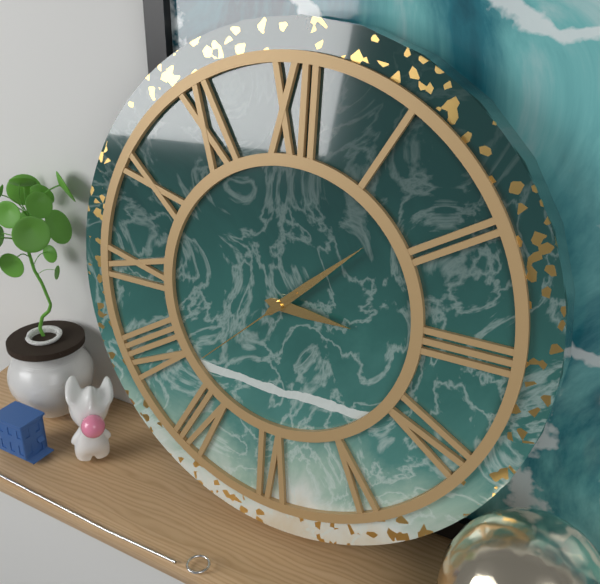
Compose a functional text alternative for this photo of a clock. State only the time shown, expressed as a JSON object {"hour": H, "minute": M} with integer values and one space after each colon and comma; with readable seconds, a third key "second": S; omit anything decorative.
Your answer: {"hour": 3, "minute": 8, "second": 38}
